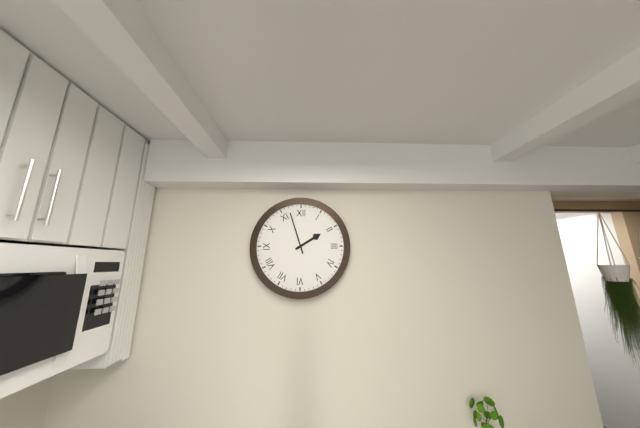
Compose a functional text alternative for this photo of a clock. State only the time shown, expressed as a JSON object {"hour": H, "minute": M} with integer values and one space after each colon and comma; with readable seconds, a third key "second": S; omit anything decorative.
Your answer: {"hour": 1, "minute": 57}
